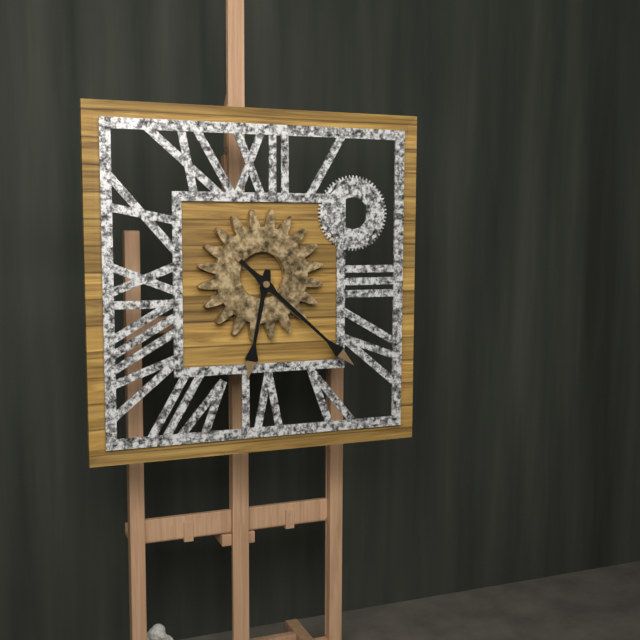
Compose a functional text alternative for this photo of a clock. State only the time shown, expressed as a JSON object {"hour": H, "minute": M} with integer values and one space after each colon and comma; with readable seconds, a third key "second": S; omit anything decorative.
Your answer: {"hour": 6, "minute": 22}
